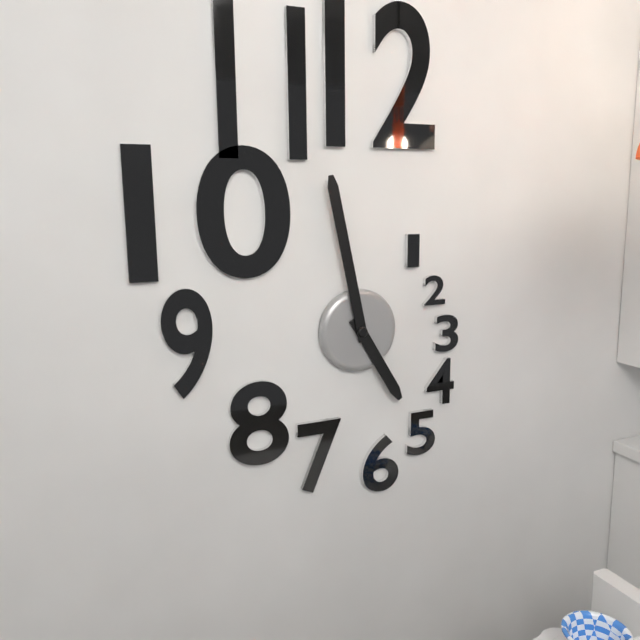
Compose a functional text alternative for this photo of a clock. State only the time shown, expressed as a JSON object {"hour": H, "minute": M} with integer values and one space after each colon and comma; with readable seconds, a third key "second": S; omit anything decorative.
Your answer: {"hour": 4, "minute": 58}
